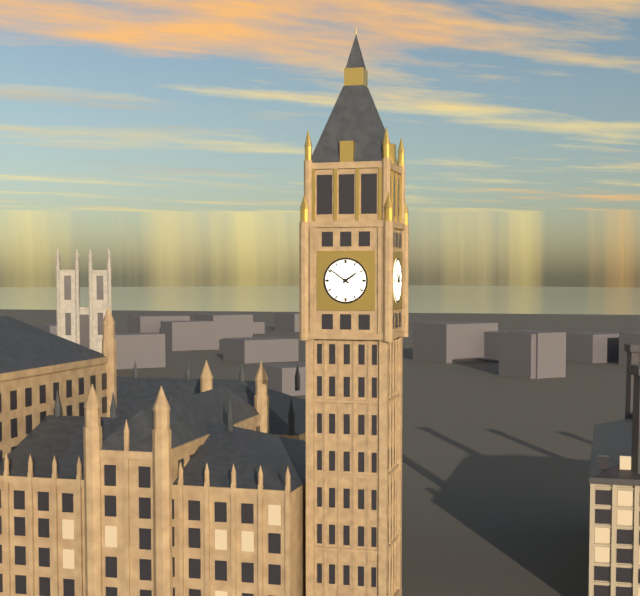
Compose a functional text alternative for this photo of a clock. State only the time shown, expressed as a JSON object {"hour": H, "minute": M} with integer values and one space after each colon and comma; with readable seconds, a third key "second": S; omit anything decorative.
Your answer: {"hour": 1, "minute": 51}
